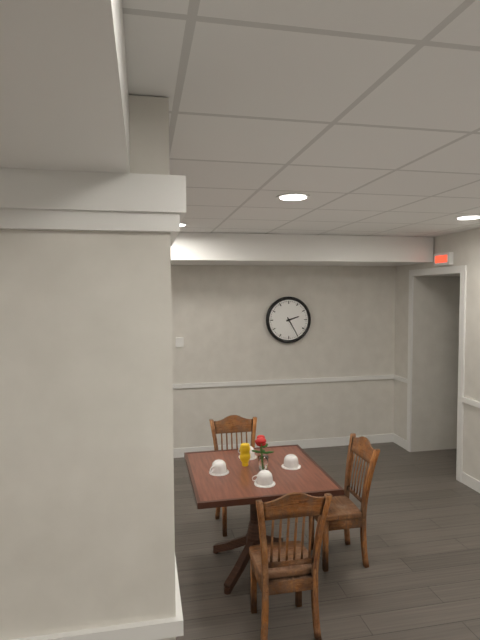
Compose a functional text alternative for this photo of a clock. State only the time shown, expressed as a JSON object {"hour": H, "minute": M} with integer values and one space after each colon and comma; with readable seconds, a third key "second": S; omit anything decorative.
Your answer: {"hour": 2, "minute": 25}
